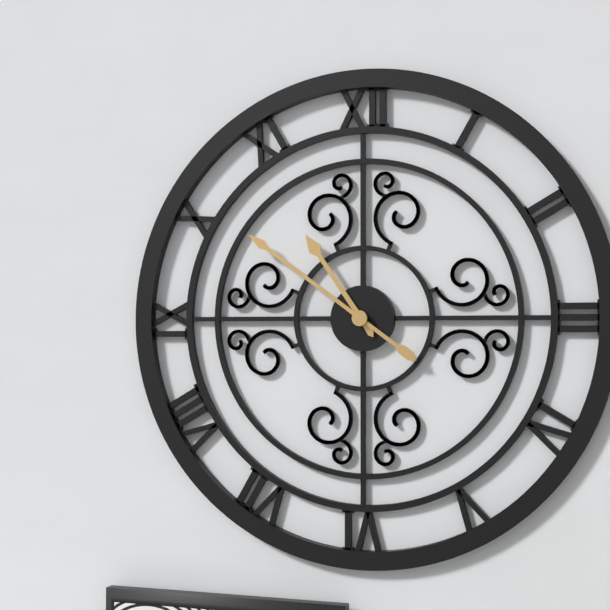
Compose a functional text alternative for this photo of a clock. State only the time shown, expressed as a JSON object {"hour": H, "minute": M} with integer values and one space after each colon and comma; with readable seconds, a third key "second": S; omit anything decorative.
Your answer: {"hour": 10, "minute": 51}
